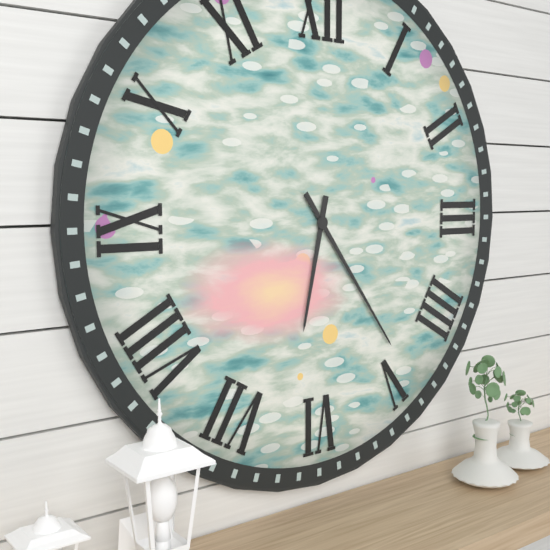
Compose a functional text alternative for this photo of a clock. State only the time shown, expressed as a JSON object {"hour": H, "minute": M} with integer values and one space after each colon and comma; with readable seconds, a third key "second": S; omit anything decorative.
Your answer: {"hour": 6, "minute": 24}
